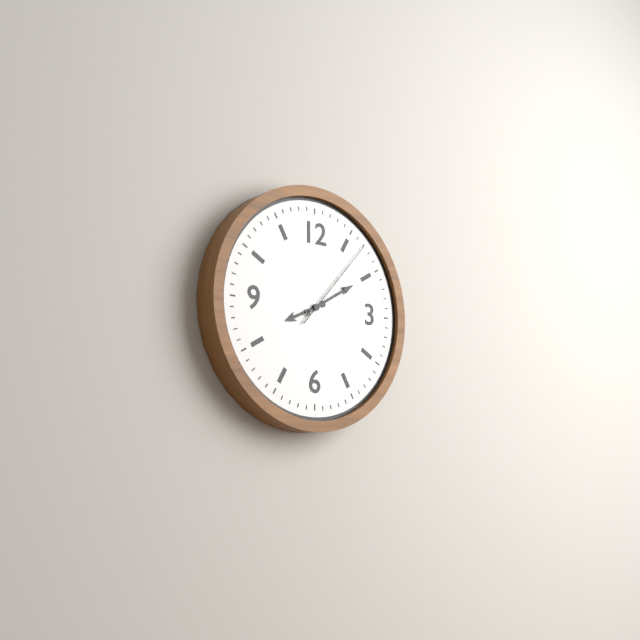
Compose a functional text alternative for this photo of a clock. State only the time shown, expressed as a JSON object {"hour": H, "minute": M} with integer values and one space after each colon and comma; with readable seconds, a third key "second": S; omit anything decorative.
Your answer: {"hour": 8, "minute": 10, "second": 7}
